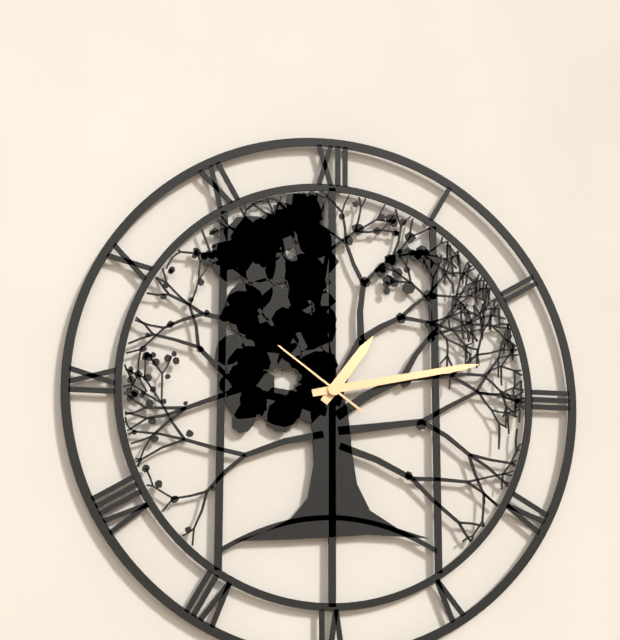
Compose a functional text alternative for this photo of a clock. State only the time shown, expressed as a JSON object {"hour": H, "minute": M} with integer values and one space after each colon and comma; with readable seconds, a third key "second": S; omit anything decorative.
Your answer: {"hour": 1, "minute": 13, "second": 51}
